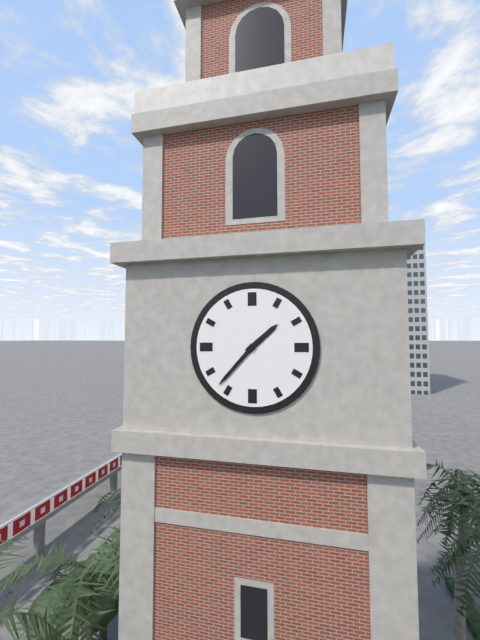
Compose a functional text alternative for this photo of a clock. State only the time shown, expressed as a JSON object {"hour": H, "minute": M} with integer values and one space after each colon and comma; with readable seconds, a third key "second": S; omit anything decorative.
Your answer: {"hour": 1, "minute": 37}
